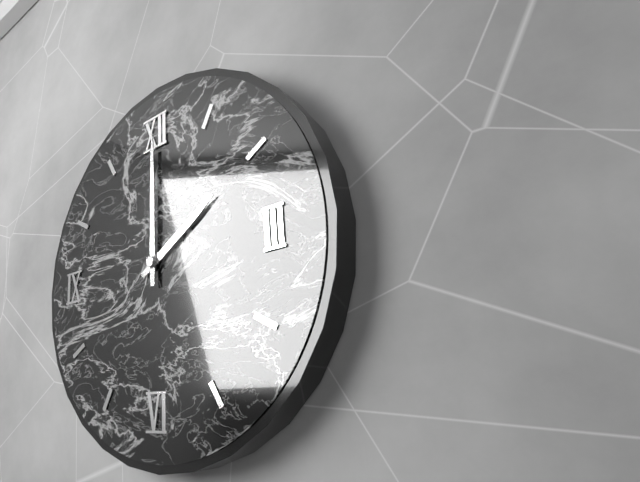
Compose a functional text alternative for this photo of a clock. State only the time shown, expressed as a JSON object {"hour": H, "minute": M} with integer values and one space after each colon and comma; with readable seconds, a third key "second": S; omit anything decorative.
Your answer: {"hour": 2, "minute": 0}
